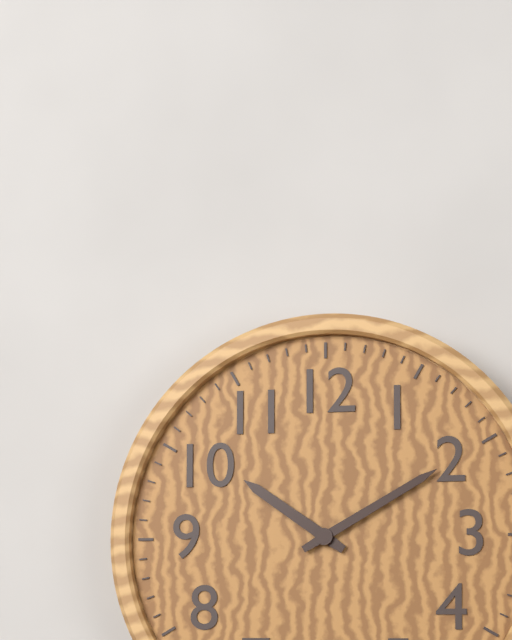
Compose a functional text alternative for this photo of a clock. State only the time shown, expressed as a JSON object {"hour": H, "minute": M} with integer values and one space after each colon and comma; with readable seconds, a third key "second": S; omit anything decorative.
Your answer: {"hour": 10, "minute": 10}
